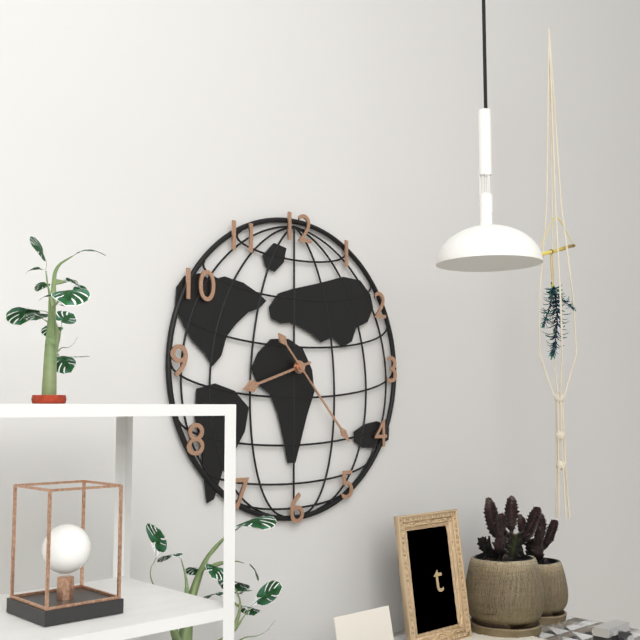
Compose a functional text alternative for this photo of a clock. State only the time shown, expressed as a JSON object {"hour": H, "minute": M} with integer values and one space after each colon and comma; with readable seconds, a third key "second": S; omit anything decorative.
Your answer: {"hour": 8, "minute": 23}
